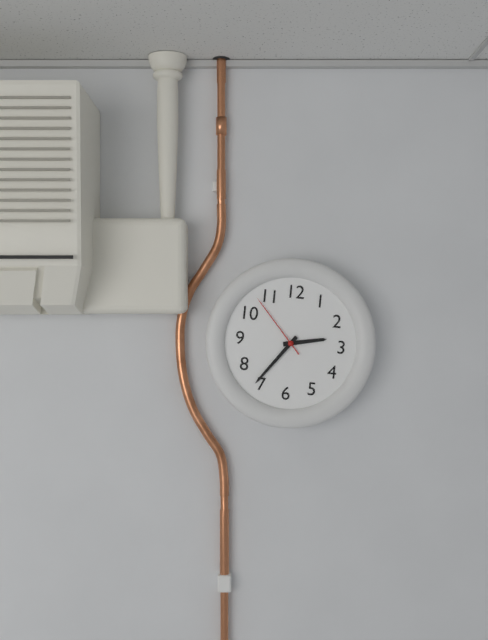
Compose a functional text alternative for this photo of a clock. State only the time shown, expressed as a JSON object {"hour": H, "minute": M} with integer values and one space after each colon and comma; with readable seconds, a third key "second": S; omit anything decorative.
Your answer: {"hour": 2, "minute": 36, "second": 53}
